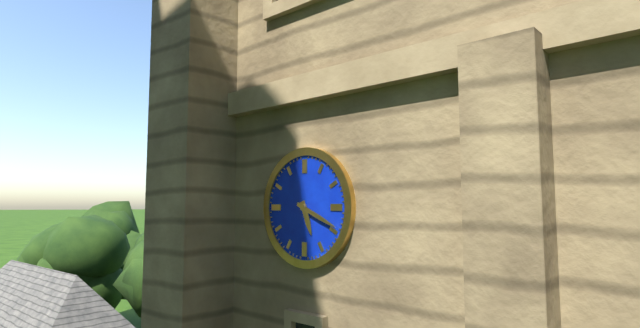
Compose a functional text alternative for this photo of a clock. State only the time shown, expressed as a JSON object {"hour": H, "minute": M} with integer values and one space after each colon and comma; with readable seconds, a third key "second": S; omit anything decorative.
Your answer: {"hour": 5, "minute": 19}
